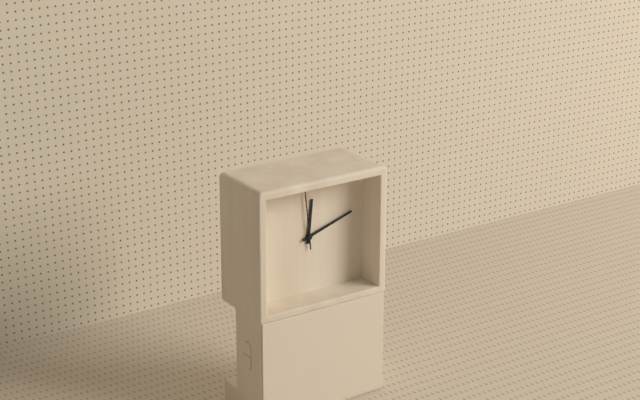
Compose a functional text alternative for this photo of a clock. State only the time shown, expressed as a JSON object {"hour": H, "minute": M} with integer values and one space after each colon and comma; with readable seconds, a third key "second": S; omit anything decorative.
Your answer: {"hour": 12, "minute": 12, "second": 59}
